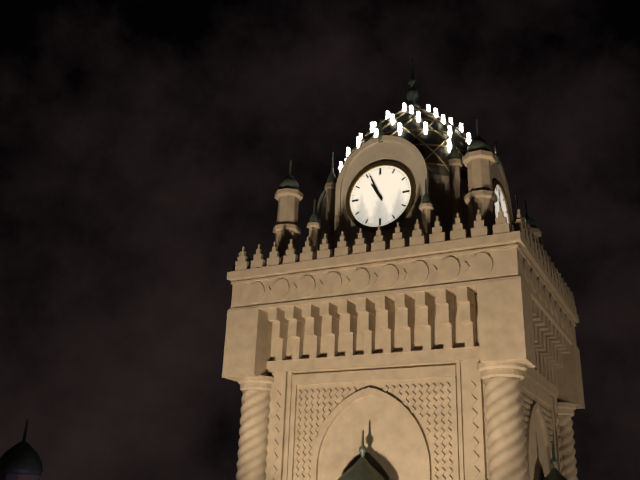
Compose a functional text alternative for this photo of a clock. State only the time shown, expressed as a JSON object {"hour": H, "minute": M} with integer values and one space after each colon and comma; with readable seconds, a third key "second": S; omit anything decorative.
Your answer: {"hour": 10, "minute": 56}
